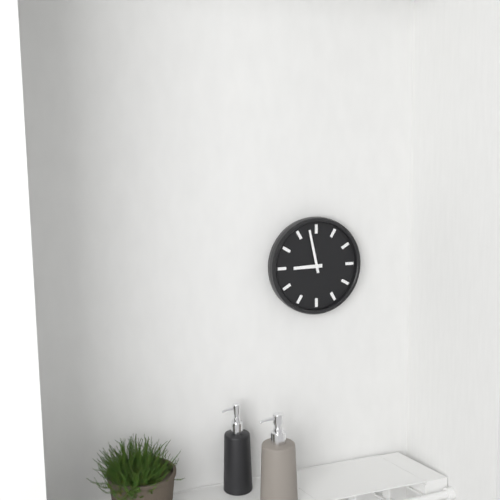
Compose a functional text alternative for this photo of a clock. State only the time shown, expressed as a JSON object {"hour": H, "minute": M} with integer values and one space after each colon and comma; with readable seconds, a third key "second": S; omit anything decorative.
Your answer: {"hour": 8, "minute": 58}
